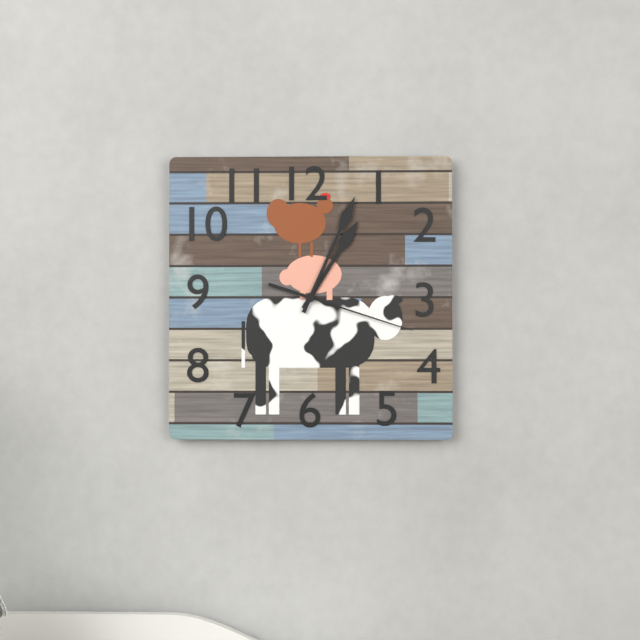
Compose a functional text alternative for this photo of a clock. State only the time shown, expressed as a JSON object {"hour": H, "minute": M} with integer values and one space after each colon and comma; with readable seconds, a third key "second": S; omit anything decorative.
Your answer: {"hour": 1, "minute": 4, "second": 18}
